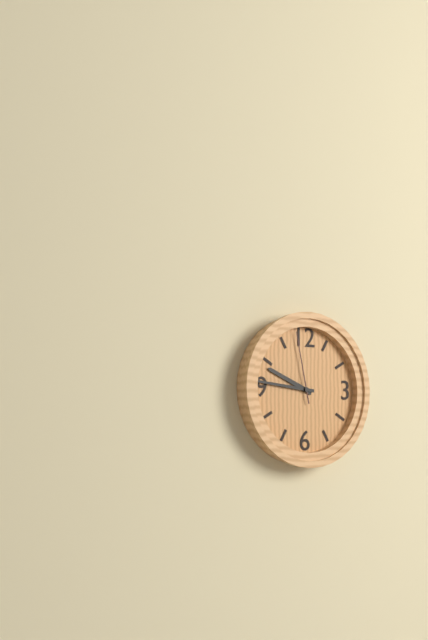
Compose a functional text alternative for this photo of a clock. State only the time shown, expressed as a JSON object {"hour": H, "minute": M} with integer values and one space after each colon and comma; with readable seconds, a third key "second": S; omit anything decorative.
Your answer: {"hour": 9, "minute": 46, "second": 58}
